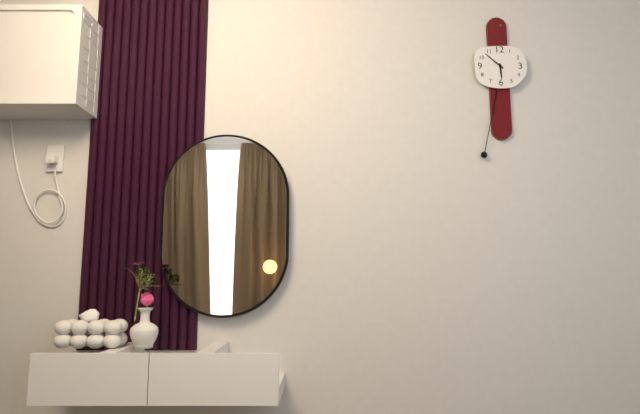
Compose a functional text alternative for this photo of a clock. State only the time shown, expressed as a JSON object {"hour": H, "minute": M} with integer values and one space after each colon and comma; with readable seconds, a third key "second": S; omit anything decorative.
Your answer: {"hour": 5, "minute": 52}
